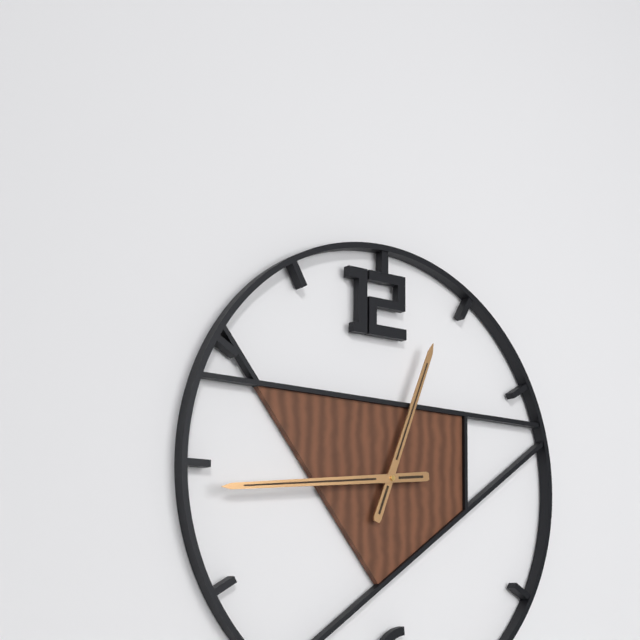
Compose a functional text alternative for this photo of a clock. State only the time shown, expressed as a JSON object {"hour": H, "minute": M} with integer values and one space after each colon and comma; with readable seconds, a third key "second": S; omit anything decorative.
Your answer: {"hour": 12, "minute": 44}
